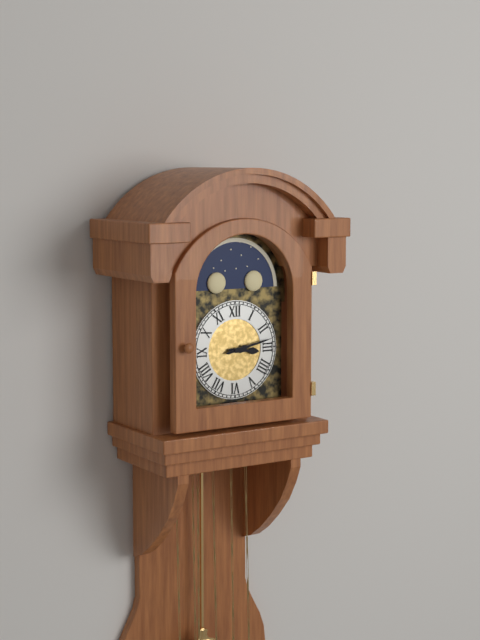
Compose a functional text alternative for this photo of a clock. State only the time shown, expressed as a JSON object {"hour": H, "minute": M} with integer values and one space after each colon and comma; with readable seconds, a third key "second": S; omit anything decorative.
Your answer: {"hour": 3, "minute": 13}
